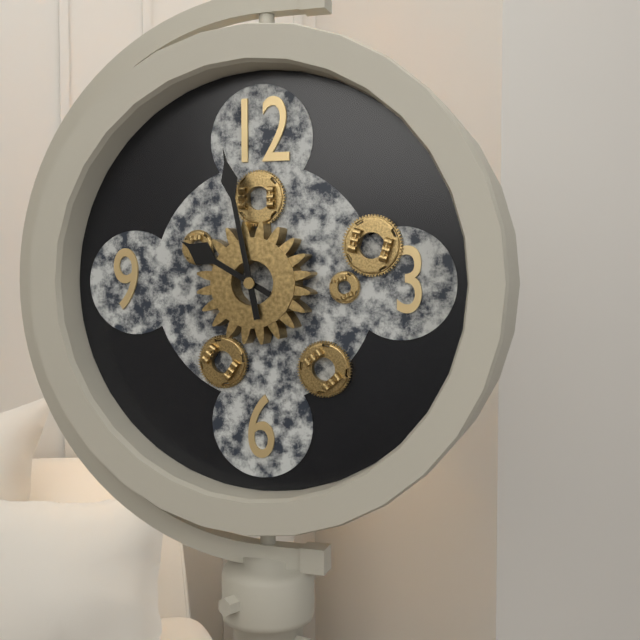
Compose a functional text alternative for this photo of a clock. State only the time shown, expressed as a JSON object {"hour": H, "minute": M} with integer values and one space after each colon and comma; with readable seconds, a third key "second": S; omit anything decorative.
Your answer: {"hour": 9, "minute": 58}
